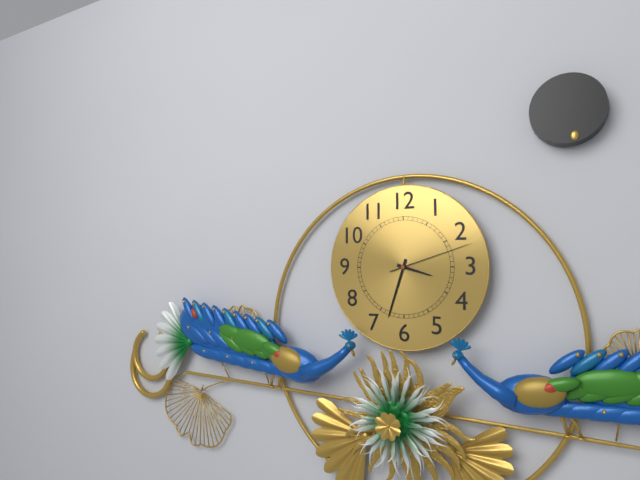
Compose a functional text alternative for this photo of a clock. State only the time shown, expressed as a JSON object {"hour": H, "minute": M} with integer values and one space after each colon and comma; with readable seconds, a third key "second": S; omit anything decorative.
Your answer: {"hour": 3, "minute": 33, "second": 12}
